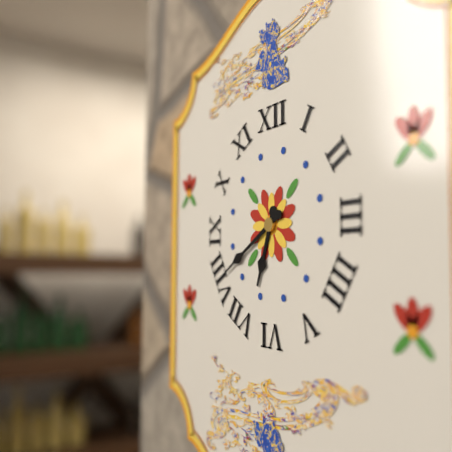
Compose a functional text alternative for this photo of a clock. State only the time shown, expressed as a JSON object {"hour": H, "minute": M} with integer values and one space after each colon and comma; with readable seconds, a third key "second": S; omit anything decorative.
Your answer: {"hour": 6, "minute": 40}
